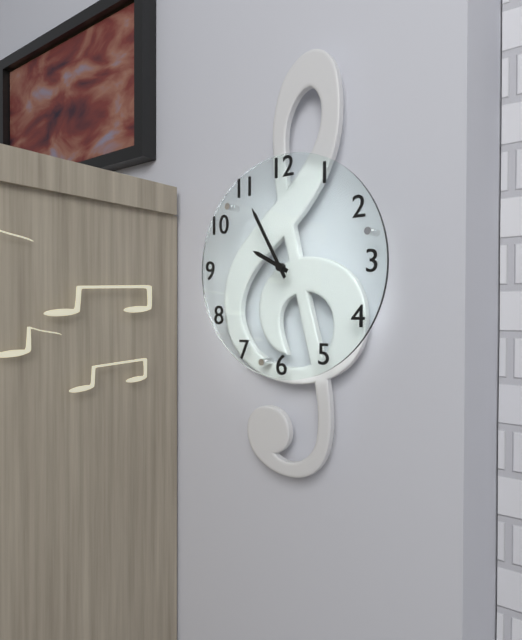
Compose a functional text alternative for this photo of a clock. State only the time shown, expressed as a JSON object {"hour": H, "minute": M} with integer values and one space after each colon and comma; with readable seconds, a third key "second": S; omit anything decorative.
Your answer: {"hour": 9, "minute": 55}
